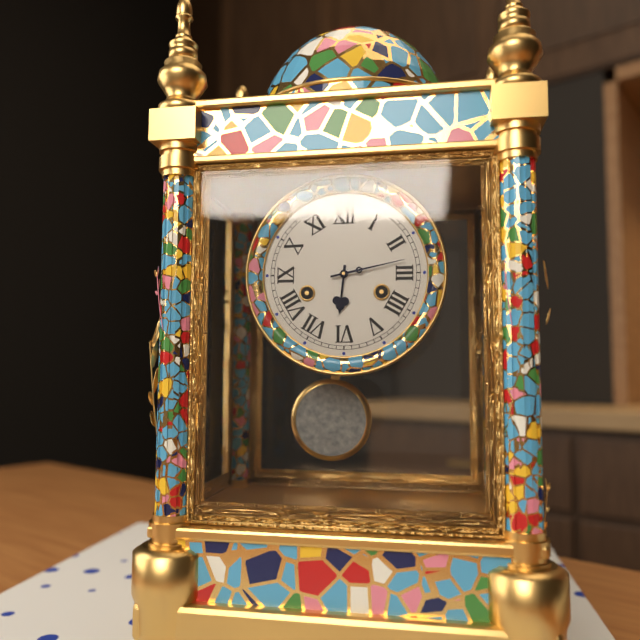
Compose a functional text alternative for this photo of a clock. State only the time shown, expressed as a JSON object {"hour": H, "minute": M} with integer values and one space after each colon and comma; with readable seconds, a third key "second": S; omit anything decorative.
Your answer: {"hour": 6, "minute": 13}
